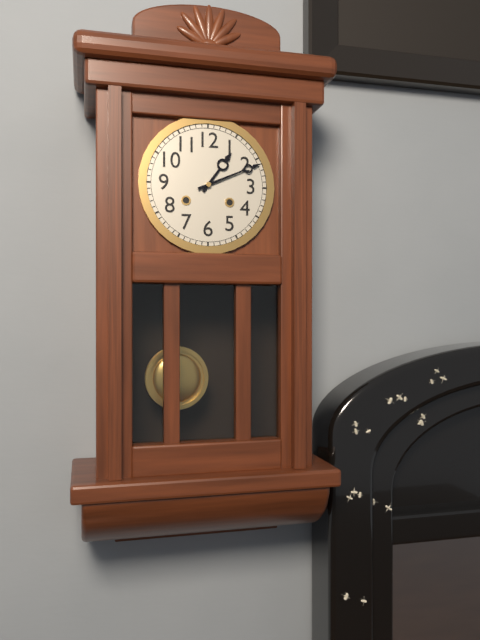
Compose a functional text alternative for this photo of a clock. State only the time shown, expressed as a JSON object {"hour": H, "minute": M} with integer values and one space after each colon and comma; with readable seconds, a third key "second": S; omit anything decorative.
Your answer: {"hour": 1, "minute": 11}
